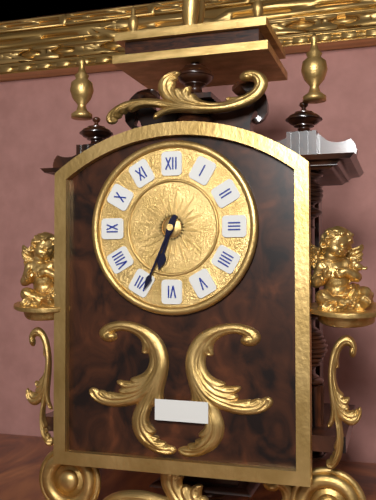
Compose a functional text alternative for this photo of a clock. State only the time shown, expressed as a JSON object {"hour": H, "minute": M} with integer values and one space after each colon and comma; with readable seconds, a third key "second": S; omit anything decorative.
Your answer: {"hour": 6, "minute": 34}
